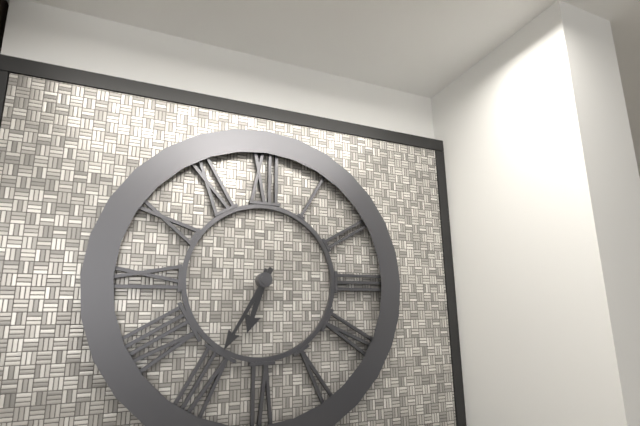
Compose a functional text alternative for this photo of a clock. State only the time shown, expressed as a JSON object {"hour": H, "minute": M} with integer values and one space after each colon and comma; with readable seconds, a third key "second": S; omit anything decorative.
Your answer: {"hour": 6, "minute": 35}
